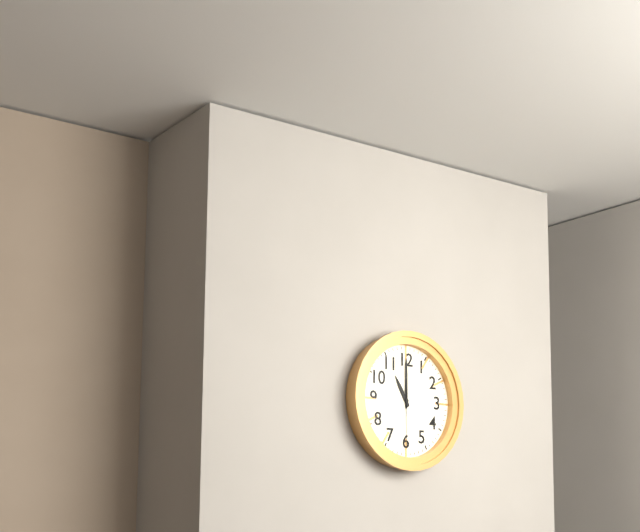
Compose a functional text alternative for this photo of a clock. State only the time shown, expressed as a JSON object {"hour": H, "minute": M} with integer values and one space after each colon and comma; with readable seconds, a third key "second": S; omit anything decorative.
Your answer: {"hour": 11, "minute": 0, "second": 30}
